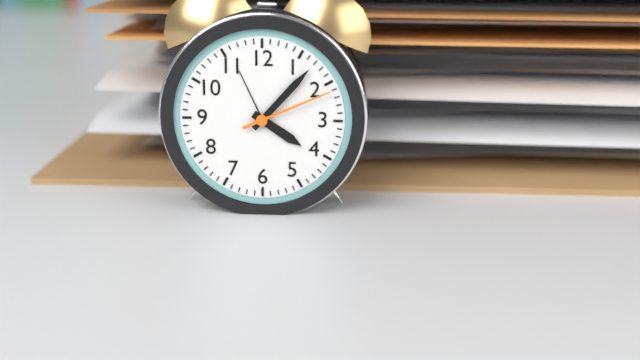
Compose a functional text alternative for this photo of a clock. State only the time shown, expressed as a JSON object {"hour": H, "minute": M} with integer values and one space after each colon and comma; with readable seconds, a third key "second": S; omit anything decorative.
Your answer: {"hour": 4, "minute": 7, "second": 11}
